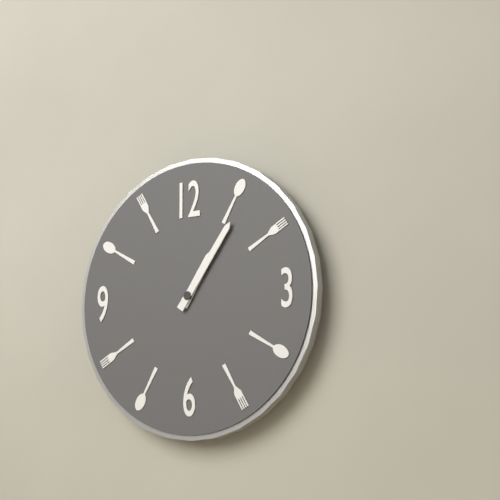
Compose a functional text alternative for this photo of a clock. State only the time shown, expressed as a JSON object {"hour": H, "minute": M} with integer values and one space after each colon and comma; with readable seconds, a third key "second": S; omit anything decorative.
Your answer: {"hour": 1, "minute": 6}
